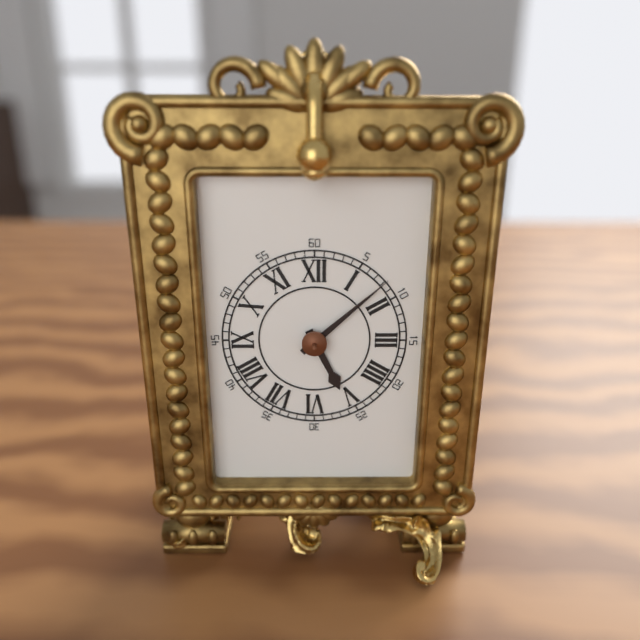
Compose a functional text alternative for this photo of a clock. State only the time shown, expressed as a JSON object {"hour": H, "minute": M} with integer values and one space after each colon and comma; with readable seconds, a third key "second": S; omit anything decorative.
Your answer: {"hour": 5, "minute": 8}
